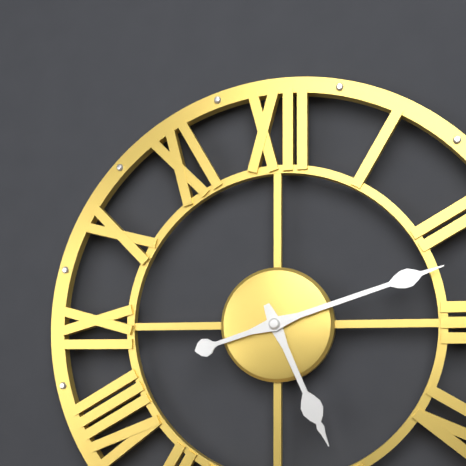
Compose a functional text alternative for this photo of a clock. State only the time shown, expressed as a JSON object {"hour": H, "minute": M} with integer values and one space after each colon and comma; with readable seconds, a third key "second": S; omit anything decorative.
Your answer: {"hour": 5, "minute": 12}
